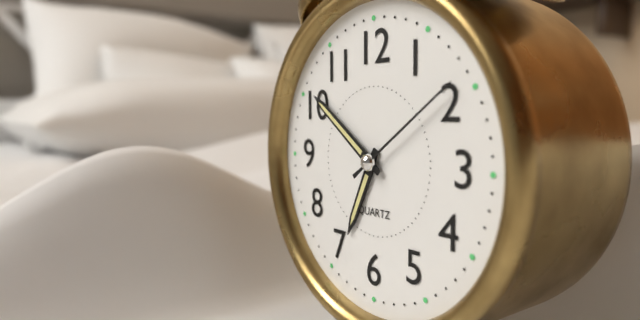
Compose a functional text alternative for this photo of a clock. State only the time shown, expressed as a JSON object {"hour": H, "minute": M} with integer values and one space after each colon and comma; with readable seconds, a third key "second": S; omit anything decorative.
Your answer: {"hour": 6, "minute": 51, "second": 9}
